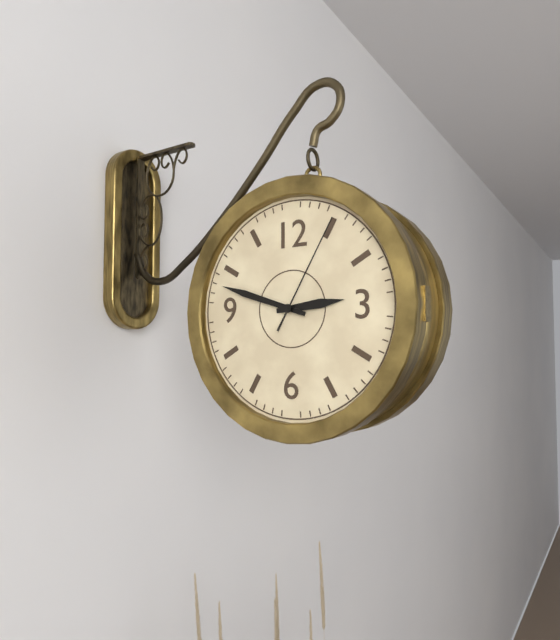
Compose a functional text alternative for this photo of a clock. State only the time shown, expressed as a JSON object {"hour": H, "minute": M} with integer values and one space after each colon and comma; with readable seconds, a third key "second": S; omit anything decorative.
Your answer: {"hour": 2, "minute": 48, "second": 5}
